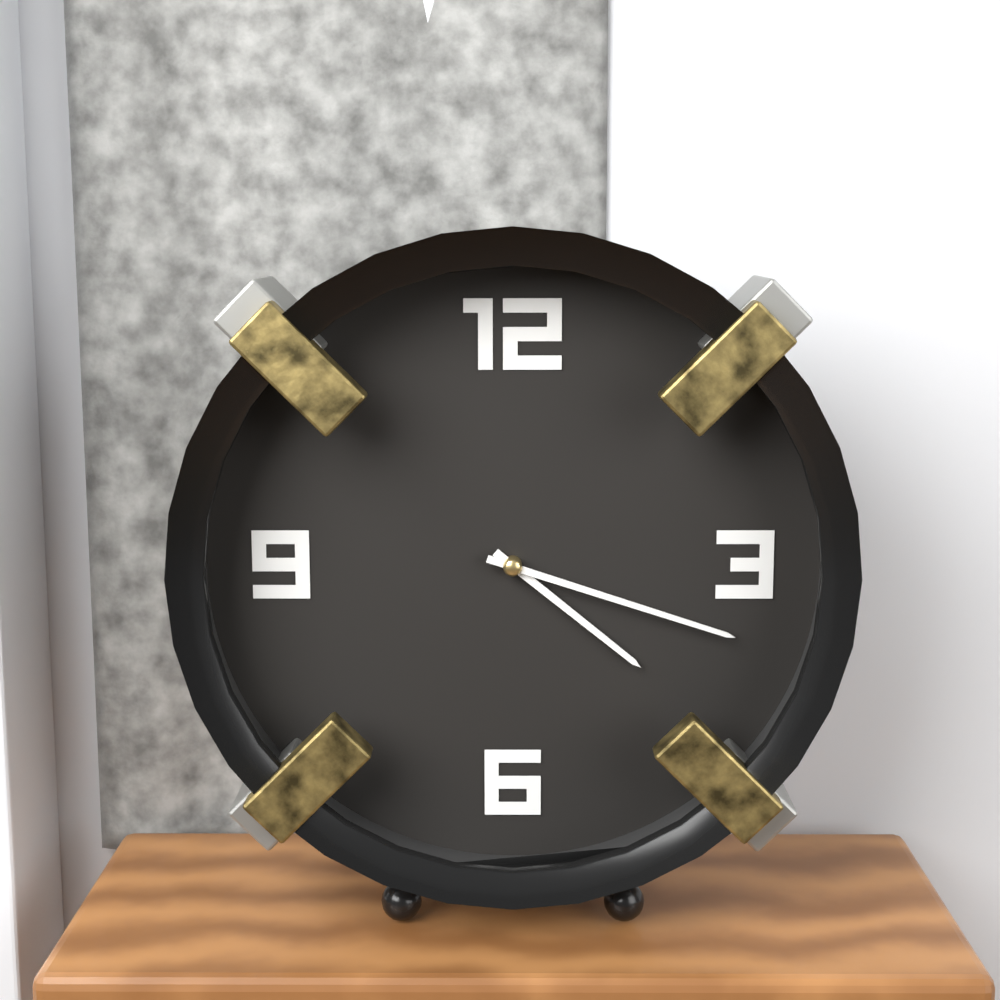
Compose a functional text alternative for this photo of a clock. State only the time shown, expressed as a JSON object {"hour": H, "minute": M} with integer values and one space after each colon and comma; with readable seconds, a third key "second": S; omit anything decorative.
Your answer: {"hour": 4, "minute": 18}
